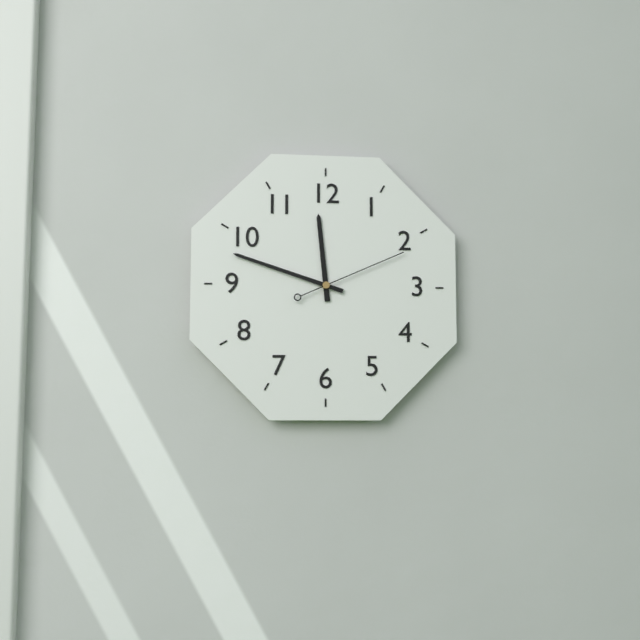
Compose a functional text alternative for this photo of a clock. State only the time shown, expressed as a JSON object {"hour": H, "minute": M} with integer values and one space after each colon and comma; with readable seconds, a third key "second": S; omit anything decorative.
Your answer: {"hour": 11, "minute": 48, "second": 11}
